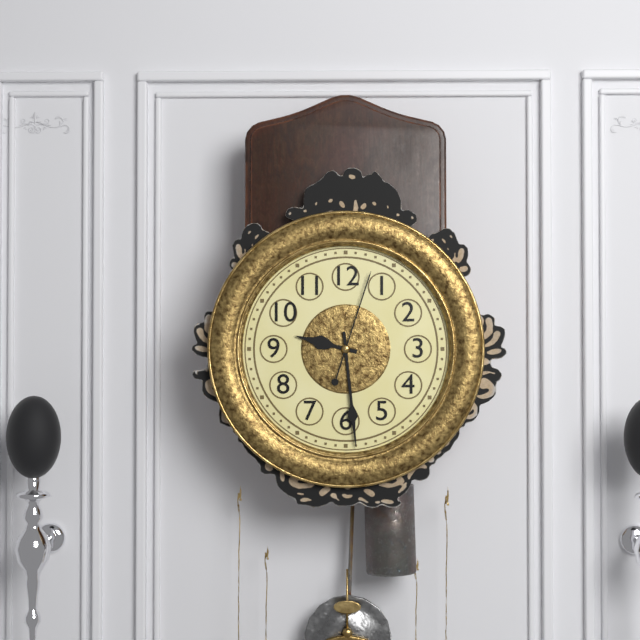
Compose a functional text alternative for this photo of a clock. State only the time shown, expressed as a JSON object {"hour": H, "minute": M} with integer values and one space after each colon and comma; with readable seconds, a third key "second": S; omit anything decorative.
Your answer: {"hour": 9, "minute": 29, "second": 3}
